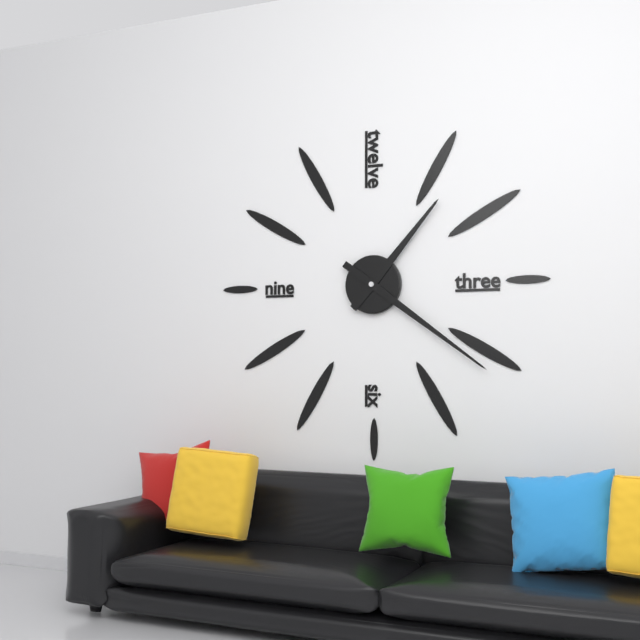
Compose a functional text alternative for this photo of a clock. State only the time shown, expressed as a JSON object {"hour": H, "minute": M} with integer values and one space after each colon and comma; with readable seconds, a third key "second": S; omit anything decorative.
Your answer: {"hour": 1, "minute": 21}
